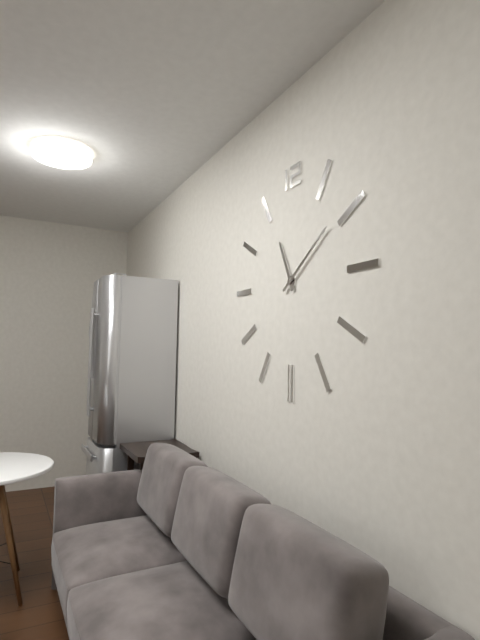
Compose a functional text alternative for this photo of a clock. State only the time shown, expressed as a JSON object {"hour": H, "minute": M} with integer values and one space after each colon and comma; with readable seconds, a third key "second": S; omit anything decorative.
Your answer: {"hour": 11, "minute": 9}
